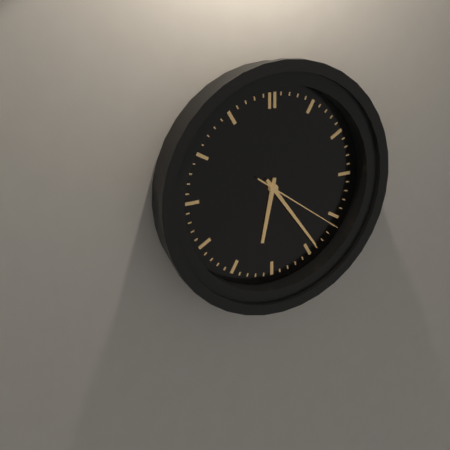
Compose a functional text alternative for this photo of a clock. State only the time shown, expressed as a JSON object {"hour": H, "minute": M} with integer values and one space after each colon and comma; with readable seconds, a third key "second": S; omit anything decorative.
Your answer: {"hour": 6, "minute": 24, "second": 21}
